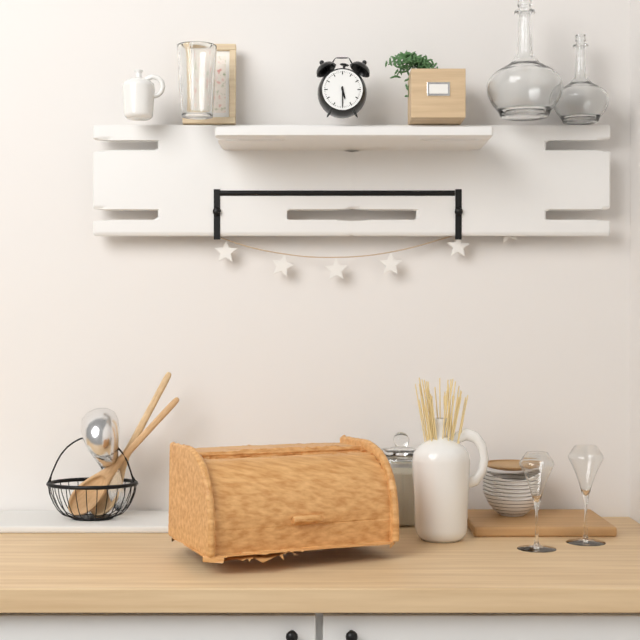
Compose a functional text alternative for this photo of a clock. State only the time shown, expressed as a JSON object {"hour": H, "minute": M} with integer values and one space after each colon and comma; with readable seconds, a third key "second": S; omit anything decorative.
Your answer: {"hour": 5, "minute": 30}
